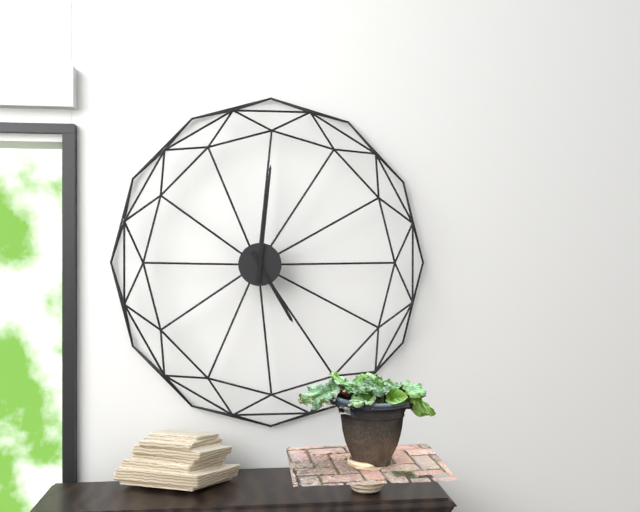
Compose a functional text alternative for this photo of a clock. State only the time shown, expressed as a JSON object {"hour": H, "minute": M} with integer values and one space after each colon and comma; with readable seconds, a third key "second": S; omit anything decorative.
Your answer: {"hour": 5, "minute": 1}
